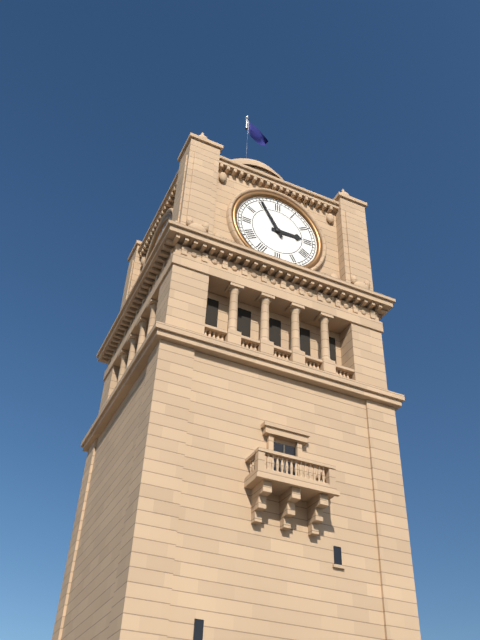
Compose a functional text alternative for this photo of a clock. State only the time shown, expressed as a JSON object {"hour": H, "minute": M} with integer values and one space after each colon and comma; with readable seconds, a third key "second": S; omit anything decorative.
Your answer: {"hour": 2, "minute": 55}
